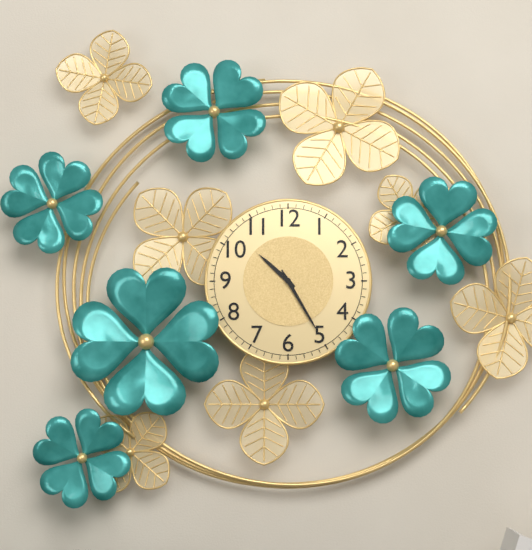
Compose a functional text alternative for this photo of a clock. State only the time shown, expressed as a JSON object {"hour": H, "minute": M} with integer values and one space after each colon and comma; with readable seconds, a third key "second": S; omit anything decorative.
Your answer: {"hour": 10, "minute": 25}
